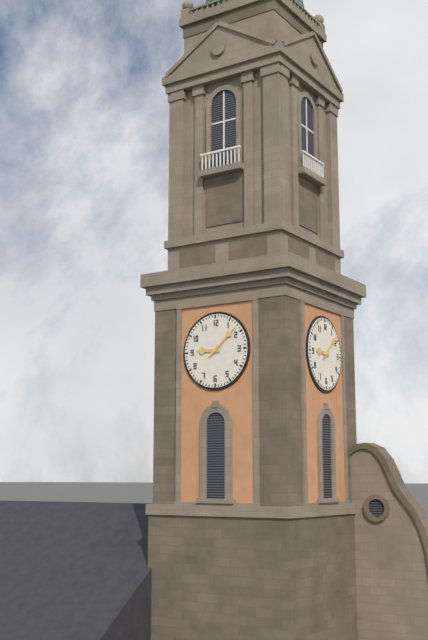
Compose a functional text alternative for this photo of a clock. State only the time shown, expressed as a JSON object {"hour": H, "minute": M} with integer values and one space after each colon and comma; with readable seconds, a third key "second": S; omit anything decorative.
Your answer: {"hour": 9, "minute": 8}
